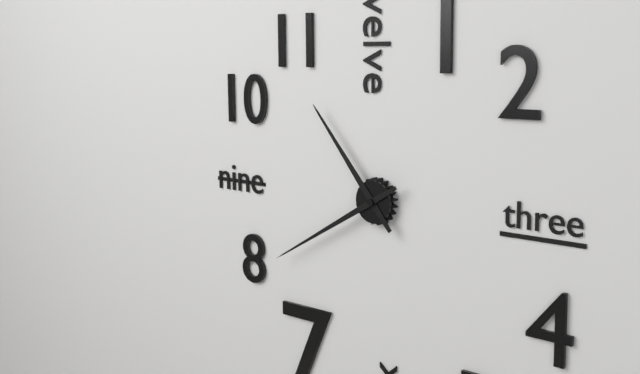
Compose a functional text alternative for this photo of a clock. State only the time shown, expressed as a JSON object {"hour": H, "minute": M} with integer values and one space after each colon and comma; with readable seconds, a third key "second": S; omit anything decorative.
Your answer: {"hour": 10, "minute": 40}
